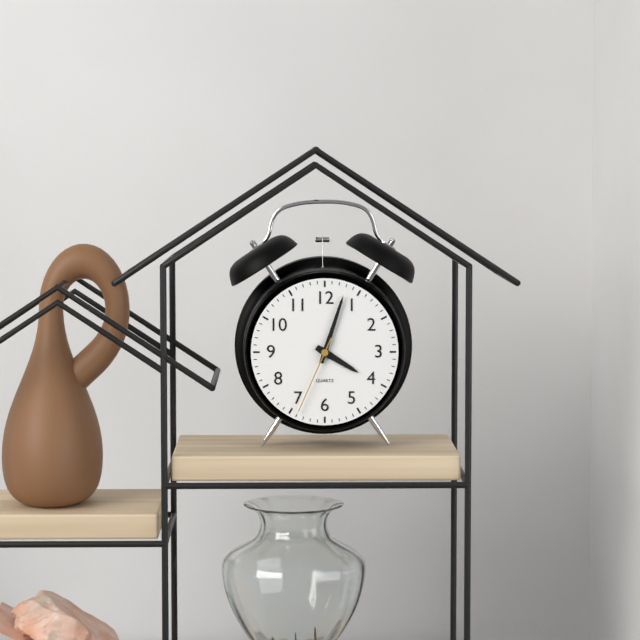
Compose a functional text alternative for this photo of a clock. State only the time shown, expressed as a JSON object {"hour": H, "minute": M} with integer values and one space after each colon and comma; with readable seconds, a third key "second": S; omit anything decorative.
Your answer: {"hour": 4, "minute": 3, "second": 34}
